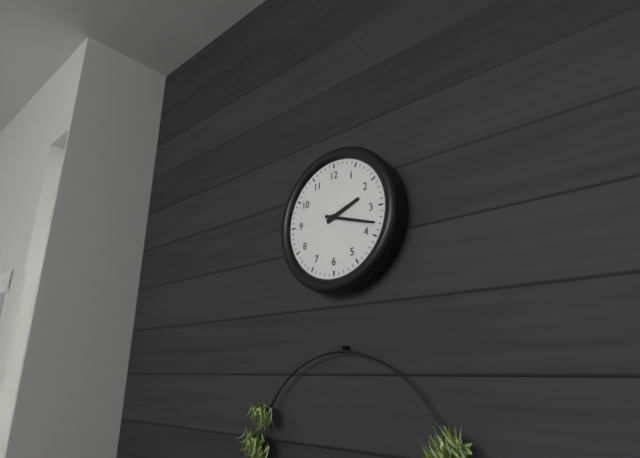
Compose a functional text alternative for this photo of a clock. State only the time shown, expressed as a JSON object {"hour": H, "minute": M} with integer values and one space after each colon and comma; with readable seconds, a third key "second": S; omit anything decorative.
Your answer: {"hour": 2, "minute": 18}
